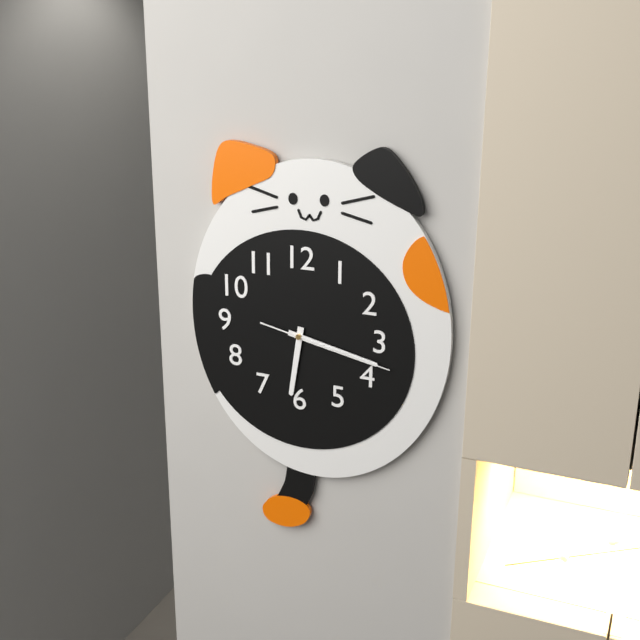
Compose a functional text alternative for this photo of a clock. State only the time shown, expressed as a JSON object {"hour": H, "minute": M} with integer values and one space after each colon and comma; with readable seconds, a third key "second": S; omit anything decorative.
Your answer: {"hour": 6, "minute": 17, "second": 17}
